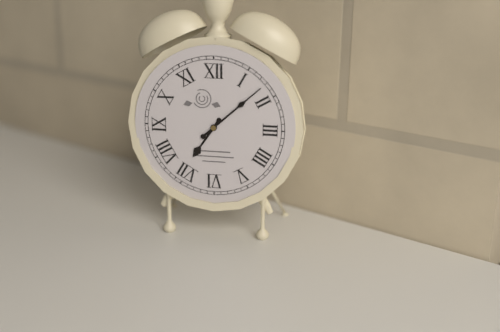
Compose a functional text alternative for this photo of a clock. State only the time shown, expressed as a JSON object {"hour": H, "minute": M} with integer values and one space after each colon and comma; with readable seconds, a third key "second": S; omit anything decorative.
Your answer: {"hour": 7, "minute": 8}
